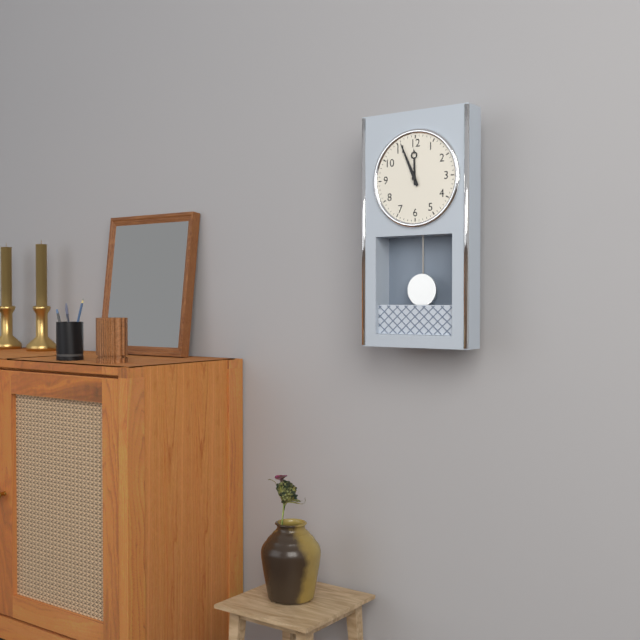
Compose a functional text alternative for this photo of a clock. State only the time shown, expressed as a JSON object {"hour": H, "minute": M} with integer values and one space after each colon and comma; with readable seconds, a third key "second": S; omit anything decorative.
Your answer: {"hour": 11, "minute": 56}
